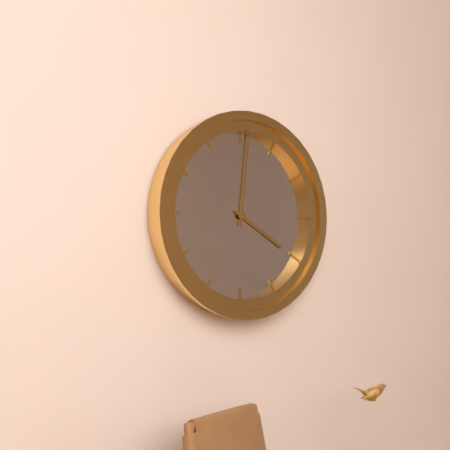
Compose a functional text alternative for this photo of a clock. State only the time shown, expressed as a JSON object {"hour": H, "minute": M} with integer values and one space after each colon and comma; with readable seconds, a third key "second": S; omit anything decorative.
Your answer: {"hour": 4, "minute": 1}
